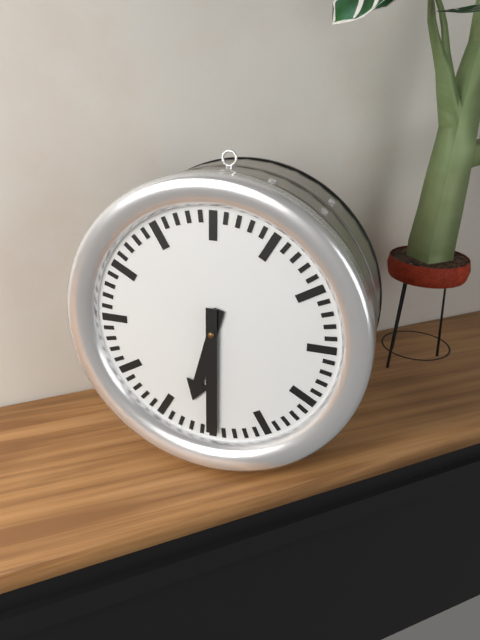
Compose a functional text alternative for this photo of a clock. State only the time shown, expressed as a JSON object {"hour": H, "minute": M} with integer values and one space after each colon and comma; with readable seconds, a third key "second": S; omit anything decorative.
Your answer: {"hour": 6, "minute": 30}
